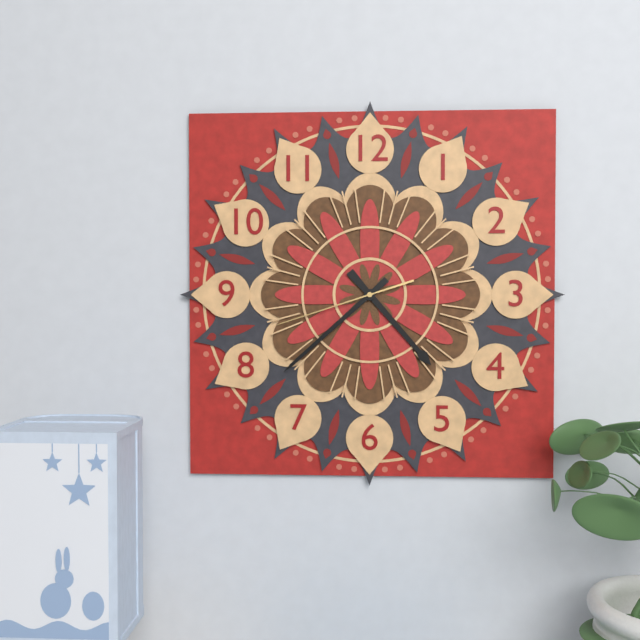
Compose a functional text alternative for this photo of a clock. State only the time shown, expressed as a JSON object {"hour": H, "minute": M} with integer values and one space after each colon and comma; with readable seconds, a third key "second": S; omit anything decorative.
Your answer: {"hour": 4, "minute": 38, "second": 42}
